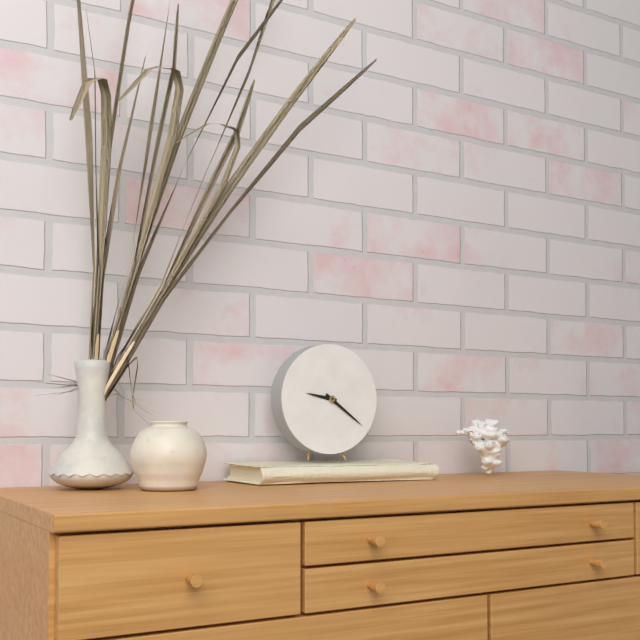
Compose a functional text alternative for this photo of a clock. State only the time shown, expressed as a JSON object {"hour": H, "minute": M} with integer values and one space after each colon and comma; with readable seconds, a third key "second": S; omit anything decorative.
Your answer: {"hour": 9, "minute": 21}
